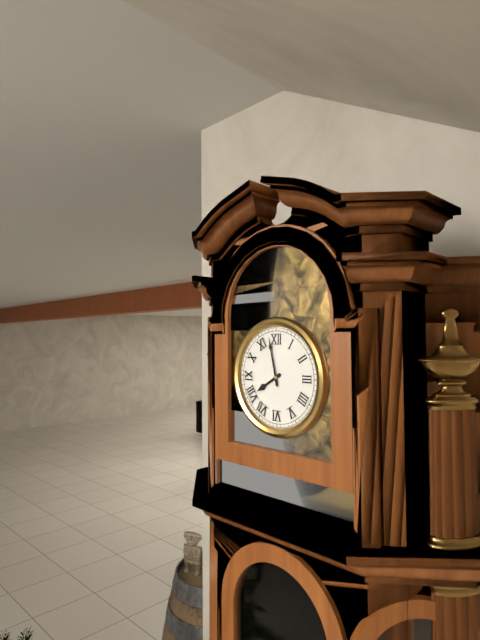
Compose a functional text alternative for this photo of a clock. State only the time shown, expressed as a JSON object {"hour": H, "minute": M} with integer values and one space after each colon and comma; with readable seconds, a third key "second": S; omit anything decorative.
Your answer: {"hour": 7, "minute": 58}
